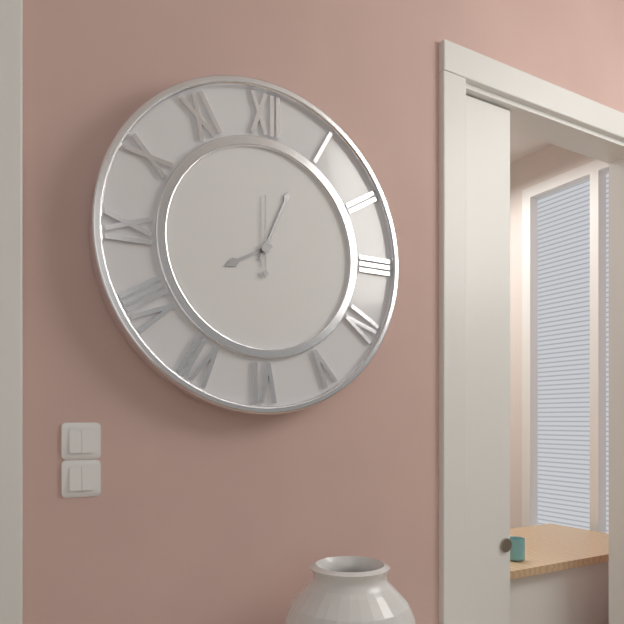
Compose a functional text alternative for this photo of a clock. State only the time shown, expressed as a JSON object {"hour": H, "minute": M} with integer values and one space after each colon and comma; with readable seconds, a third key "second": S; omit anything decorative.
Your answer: {"hour": 8, "minute": 4, "second": 0}
